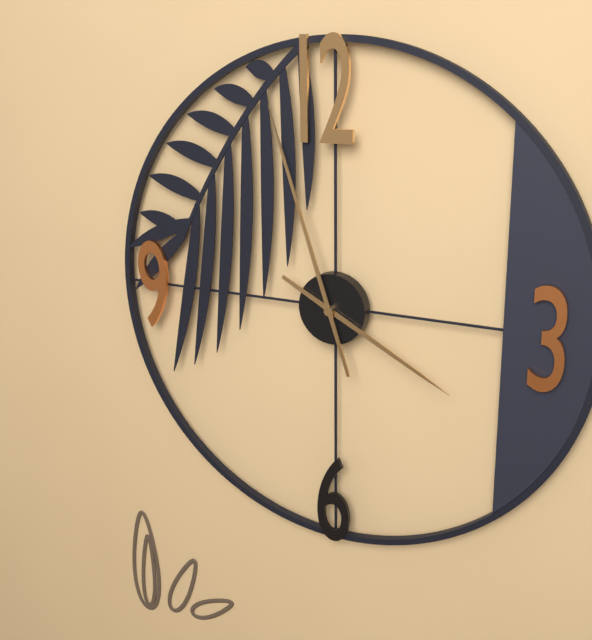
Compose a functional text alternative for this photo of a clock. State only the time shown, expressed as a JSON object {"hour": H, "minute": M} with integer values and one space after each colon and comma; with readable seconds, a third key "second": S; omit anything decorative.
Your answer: {"hour": 3, "minute": 57}
